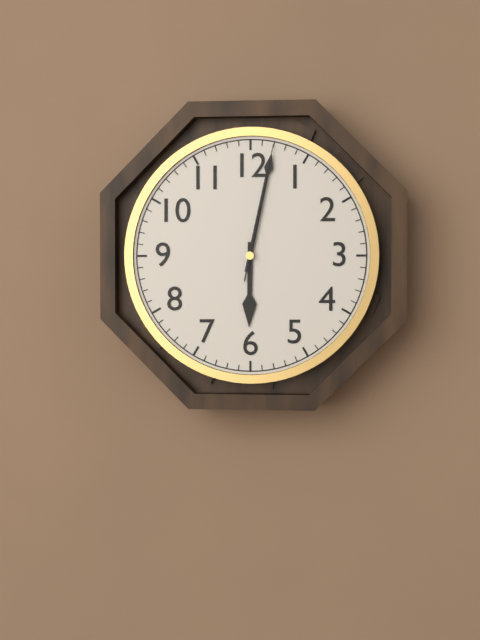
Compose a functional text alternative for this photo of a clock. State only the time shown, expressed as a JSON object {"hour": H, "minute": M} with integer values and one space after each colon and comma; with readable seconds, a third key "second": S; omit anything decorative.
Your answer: {"hour": 6, "minute": 2, "second": 2}
